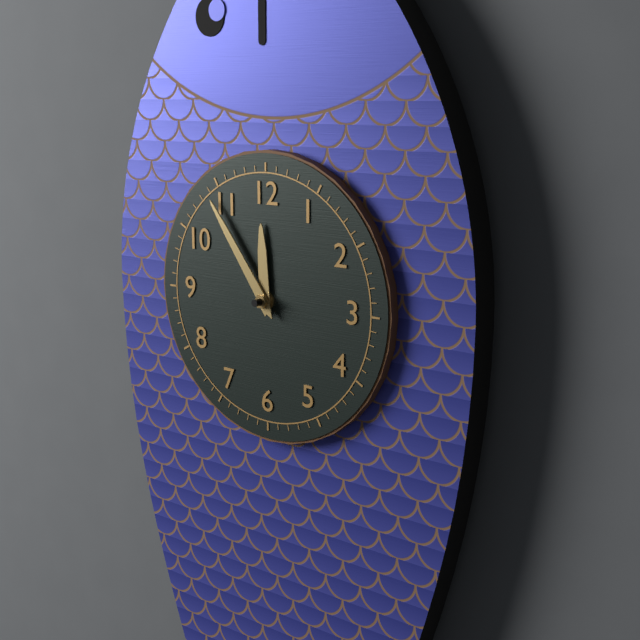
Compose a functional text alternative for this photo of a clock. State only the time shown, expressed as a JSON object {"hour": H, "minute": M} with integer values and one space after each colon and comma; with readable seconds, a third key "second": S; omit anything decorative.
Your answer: {"hour": 11, "minute": 54}
